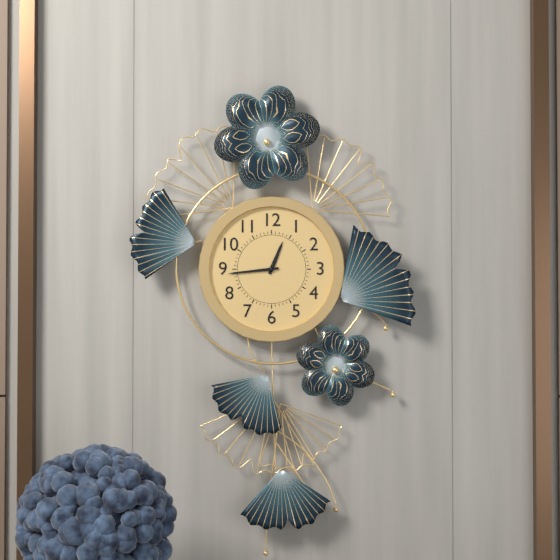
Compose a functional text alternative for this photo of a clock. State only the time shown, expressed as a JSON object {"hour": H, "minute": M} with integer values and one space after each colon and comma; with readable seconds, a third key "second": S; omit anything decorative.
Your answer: {"hour": 12, "minute": 44}
